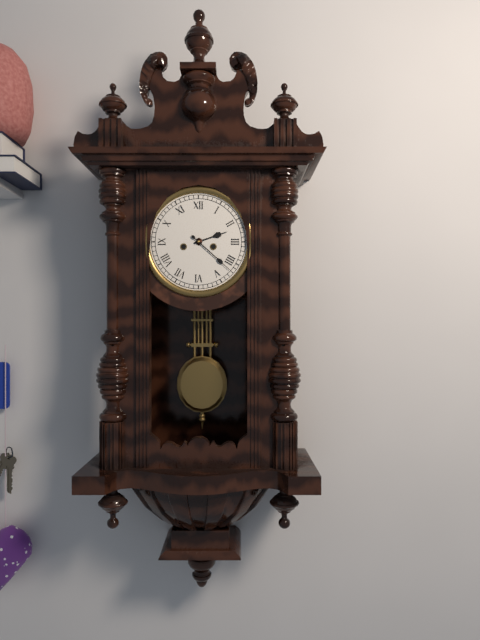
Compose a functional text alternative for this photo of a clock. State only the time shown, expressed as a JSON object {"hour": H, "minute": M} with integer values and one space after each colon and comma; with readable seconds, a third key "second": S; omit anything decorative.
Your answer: {"hour": 2, "minute": 22}
